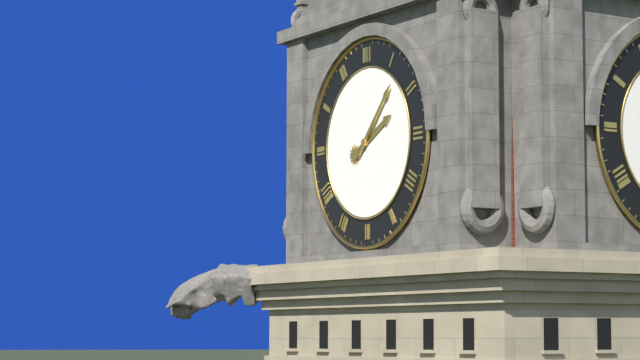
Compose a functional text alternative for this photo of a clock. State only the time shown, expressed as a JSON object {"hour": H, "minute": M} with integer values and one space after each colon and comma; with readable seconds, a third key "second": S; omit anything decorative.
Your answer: {"hour": 2, "minute": 7}
